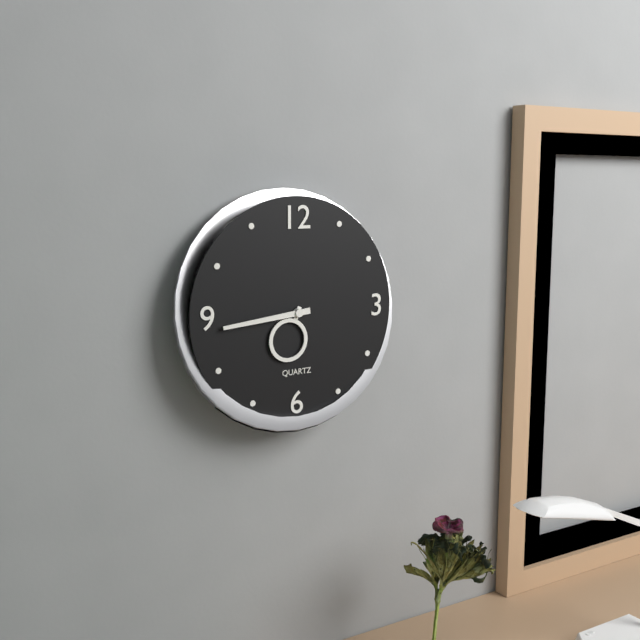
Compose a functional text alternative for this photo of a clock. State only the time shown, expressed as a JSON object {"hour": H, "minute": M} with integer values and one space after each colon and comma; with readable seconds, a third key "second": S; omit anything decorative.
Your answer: {"hour": 6, "minute": 44}
